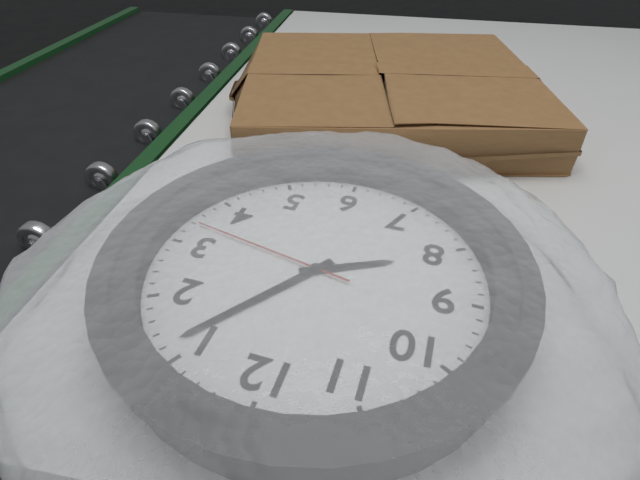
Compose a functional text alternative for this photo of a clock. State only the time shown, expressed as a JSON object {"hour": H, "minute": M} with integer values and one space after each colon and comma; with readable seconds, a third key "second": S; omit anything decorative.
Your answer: {"hour": 8, "minute": 6, "second": 17}
